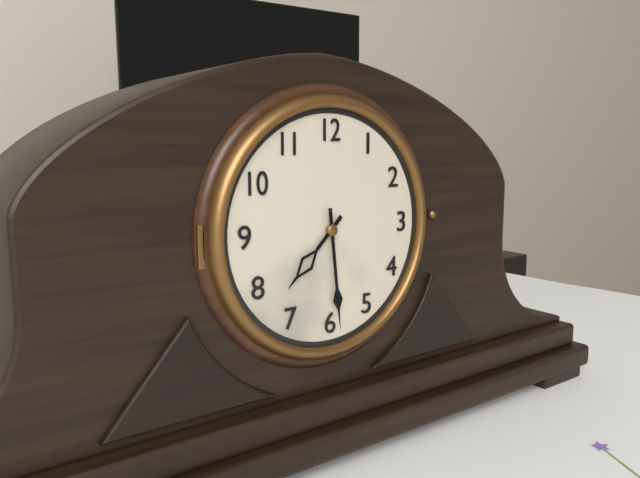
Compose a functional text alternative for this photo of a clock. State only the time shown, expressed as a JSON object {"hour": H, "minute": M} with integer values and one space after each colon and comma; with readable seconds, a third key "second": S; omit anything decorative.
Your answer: {"hour": 7, "minute": 29}
